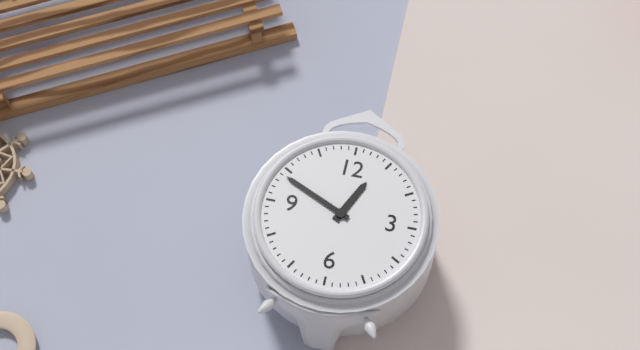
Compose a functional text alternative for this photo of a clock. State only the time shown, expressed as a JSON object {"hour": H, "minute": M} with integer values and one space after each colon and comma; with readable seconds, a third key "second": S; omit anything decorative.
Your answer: {"hour": 12, "minute": 49}
